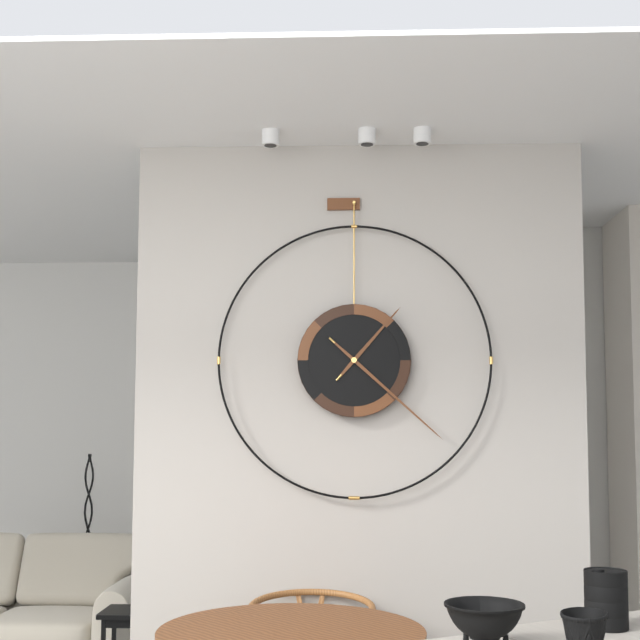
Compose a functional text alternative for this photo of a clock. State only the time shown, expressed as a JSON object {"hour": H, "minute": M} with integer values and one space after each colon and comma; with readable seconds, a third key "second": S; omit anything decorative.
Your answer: {"hour": 1, "minute": 22}
